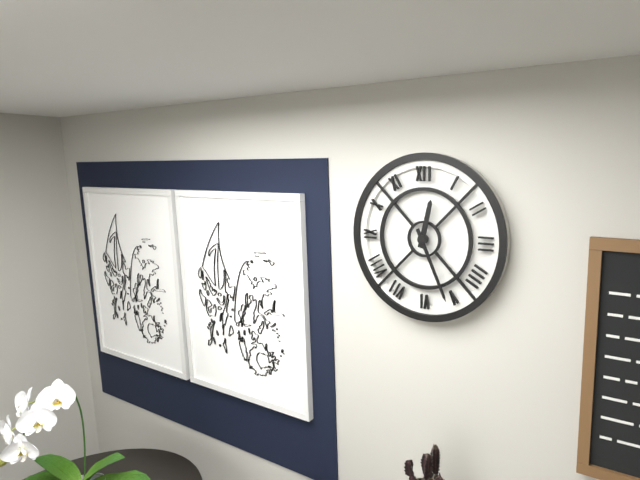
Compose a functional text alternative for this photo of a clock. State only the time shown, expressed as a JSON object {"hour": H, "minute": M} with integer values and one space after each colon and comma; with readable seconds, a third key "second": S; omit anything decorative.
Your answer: {"hour": 12, "minute": 26}
